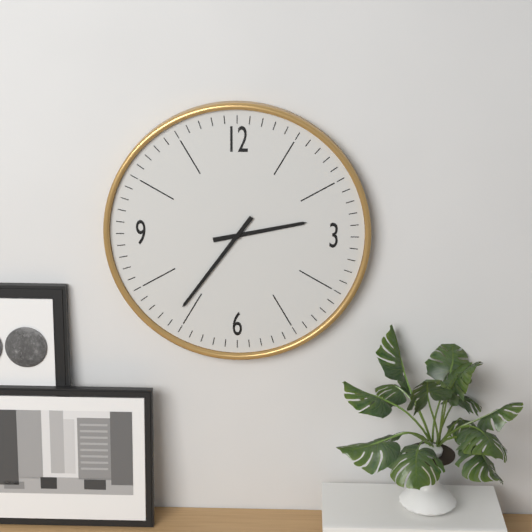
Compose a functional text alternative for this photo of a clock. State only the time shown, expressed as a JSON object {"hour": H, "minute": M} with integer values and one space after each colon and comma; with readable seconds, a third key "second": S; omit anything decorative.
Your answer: {"hour": 2, "minute": 36}
